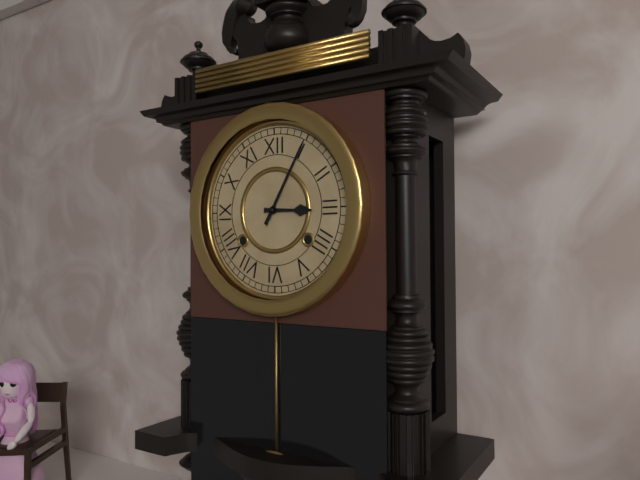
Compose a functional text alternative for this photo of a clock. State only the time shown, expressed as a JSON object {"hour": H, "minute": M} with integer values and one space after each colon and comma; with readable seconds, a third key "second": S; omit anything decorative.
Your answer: {"hour": 3, "minute": 5}
